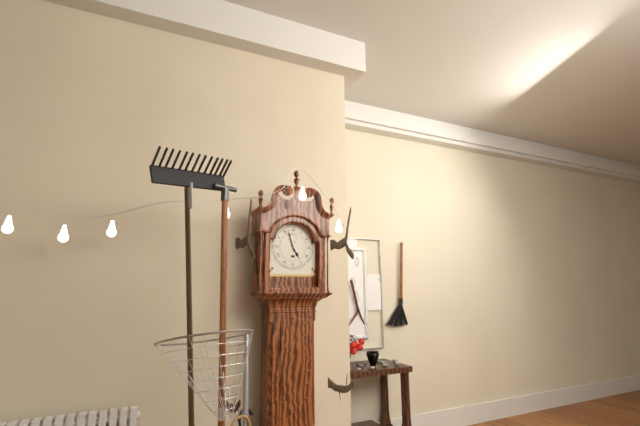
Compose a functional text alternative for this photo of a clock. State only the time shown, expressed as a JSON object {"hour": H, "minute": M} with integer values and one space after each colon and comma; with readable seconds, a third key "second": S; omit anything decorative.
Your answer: {"hour": 4, "minute": 57}
